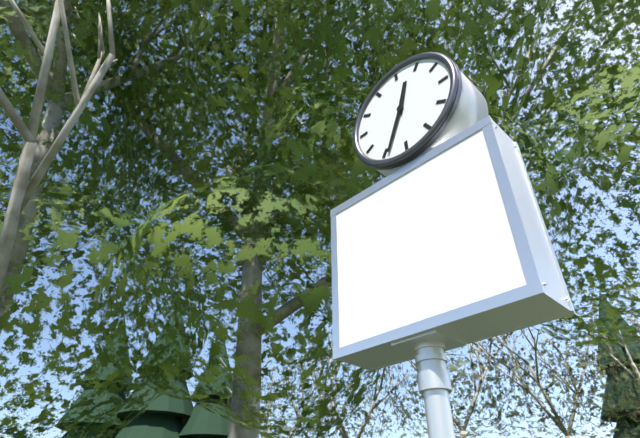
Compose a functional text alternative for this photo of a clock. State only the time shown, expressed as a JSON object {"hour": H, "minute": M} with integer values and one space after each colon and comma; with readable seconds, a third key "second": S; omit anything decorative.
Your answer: {"hour": 12, "minute": 34}
